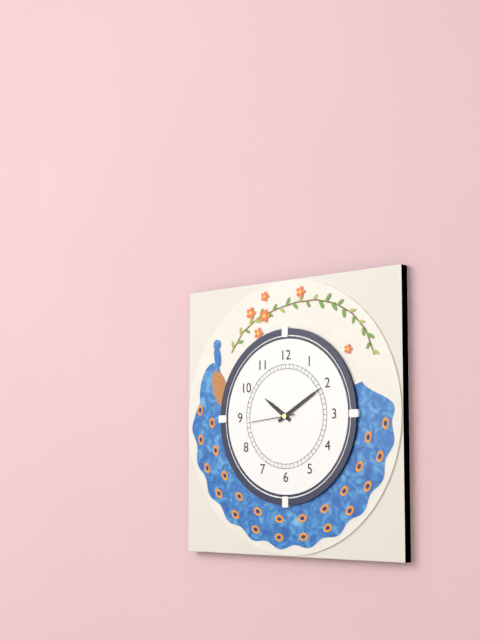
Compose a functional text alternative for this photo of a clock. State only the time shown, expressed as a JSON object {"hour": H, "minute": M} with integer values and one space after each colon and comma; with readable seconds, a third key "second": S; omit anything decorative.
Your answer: {"hour": 10, "minute": 10}
